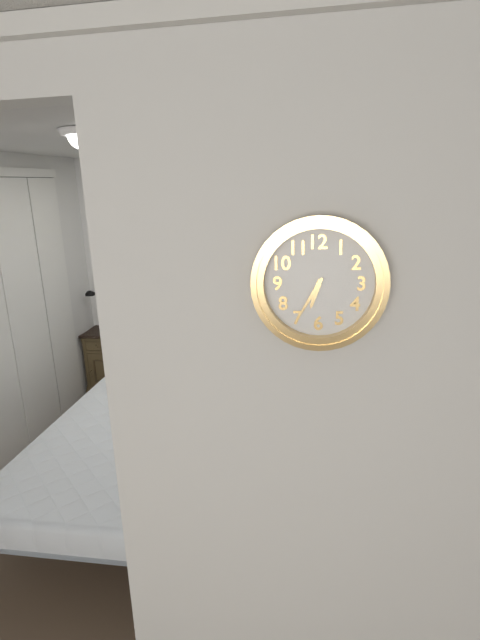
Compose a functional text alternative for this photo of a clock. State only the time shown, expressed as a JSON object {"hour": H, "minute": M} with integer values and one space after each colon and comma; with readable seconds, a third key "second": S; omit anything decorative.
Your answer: {"hour": 6, "minute": 35}
